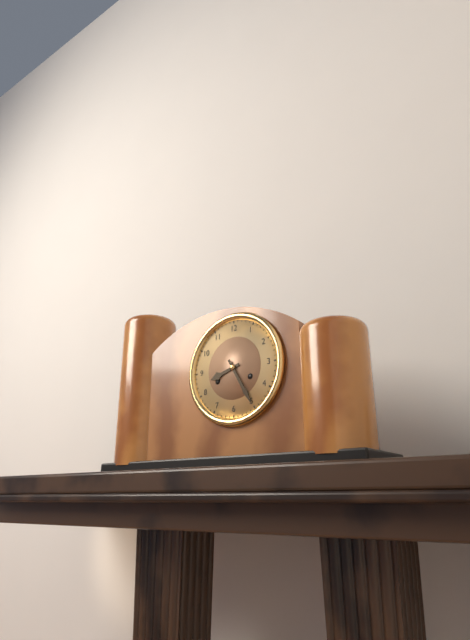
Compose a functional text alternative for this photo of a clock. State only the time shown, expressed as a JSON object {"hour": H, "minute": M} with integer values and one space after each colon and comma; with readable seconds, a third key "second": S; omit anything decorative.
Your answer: {"hour": 8, "minute": 25}
